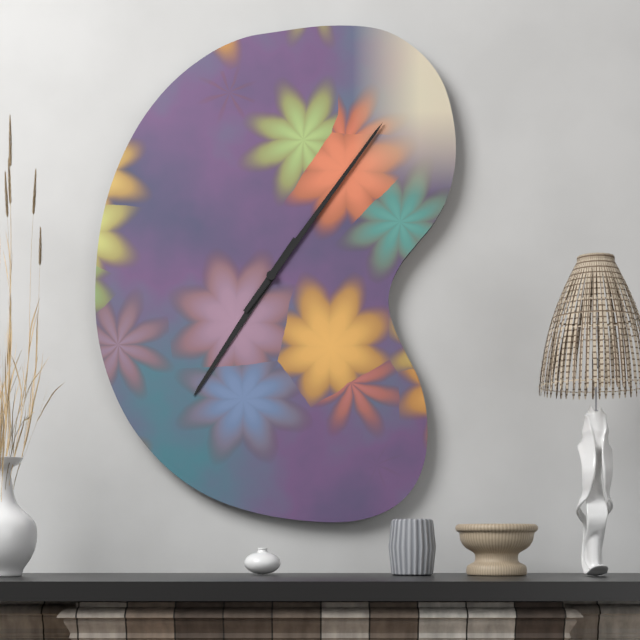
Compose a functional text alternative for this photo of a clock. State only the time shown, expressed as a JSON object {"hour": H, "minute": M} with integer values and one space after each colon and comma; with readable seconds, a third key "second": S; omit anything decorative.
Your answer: {"hour": 7, "minute": 6}
